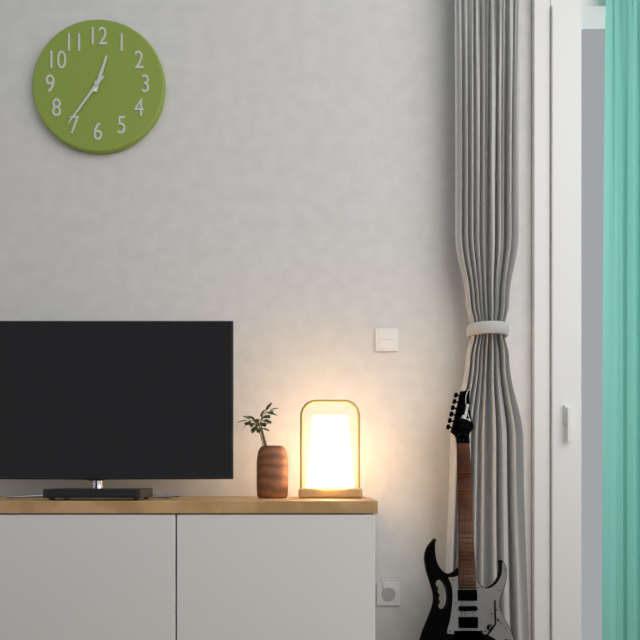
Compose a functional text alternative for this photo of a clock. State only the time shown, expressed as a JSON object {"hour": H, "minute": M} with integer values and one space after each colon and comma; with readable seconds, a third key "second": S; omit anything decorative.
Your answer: {"hour": 12, "minute": 36}
